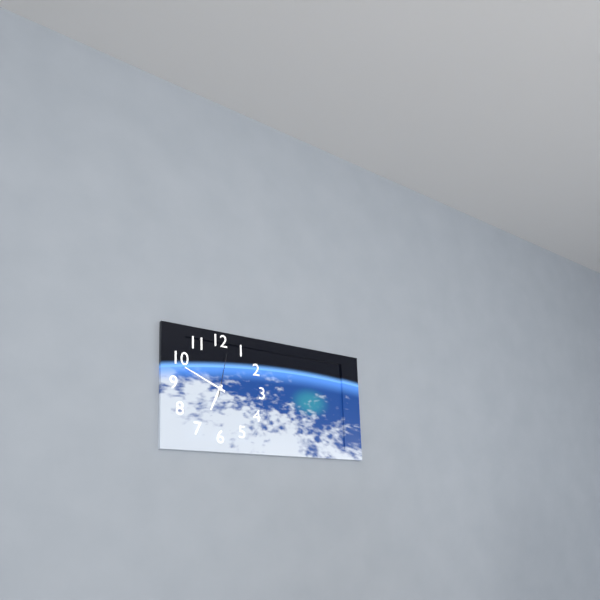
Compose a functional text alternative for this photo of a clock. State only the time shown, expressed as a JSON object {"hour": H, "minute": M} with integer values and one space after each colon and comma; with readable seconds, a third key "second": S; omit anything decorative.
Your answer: {"hour": 6, "minute": 49}
